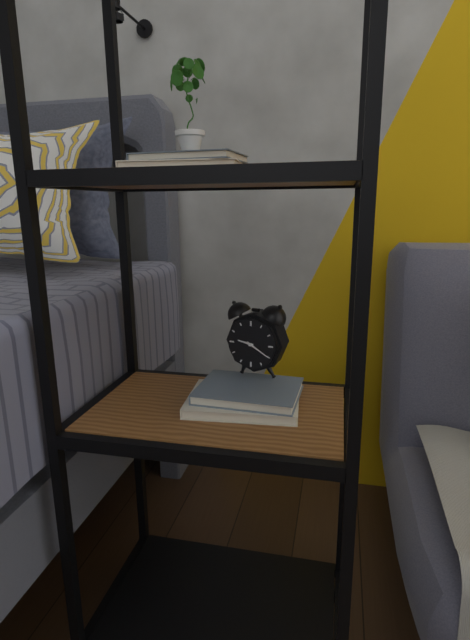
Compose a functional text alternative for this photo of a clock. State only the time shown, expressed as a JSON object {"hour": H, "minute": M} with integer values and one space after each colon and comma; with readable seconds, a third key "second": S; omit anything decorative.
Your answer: {"hour": 9, "minute": 20}
